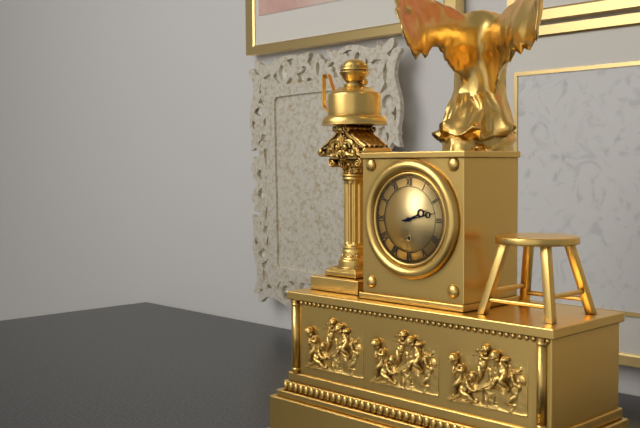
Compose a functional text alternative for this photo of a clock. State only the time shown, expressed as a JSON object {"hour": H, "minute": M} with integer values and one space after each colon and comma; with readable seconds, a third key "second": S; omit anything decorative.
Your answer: {"hour": 2, "minute": 13}
